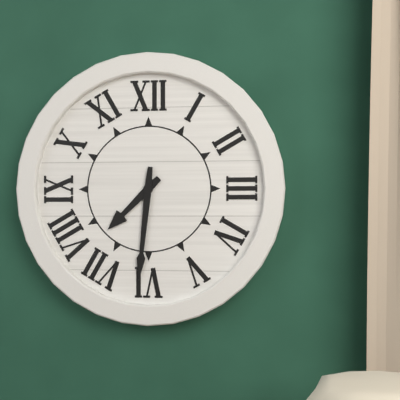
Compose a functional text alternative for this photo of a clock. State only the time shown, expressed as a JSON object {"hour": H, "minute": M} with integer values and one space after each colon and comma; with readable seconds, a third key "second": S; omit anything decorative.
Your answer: {"hour": 7, "minute": 31}
